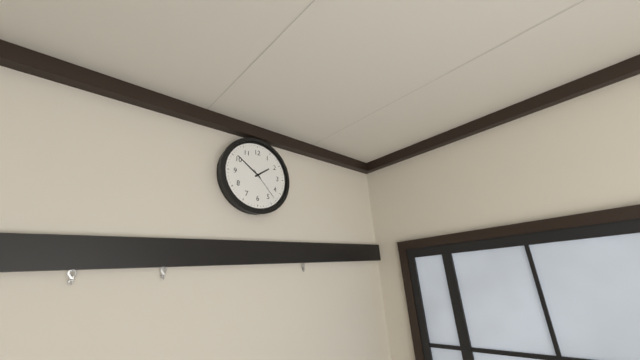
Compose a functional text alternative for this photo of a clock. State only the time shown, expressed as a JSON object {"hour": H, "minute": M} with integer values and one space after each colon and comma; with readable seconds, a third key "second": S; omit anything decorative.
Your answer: {"hour": 1, "minute": 51}
